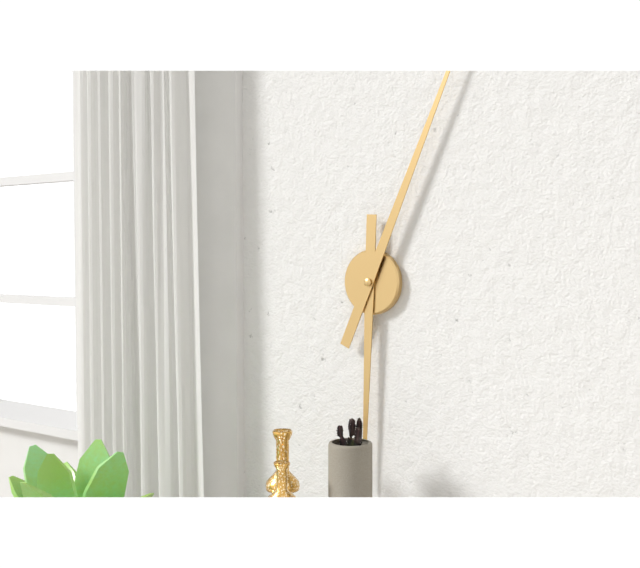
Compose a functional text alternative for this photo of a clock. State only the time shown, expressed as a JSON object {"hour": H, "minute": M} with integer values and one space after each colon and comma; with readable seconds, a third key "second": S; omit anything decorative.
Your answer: {"hour": 6, "minute": 4}
